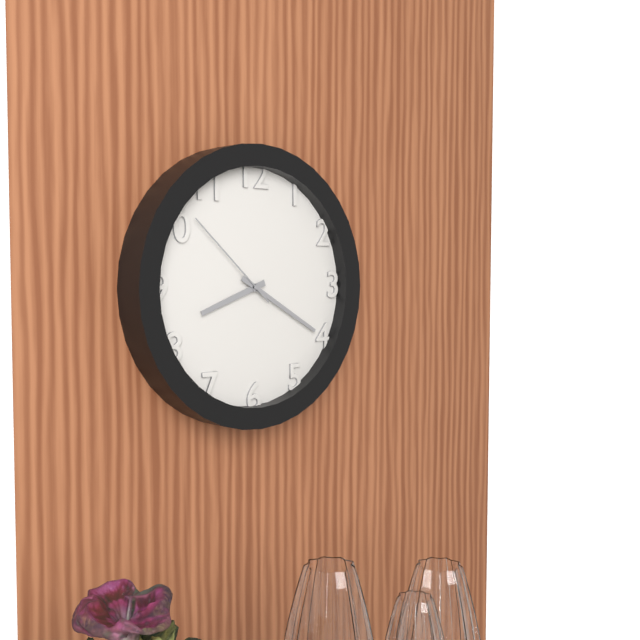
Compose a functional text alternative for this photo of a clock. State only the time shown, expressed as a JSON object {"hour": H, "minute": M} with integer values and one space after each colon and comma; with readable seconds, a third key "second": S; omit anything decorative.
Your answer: {"hour": 8, "minute": 20, "second": 52}
